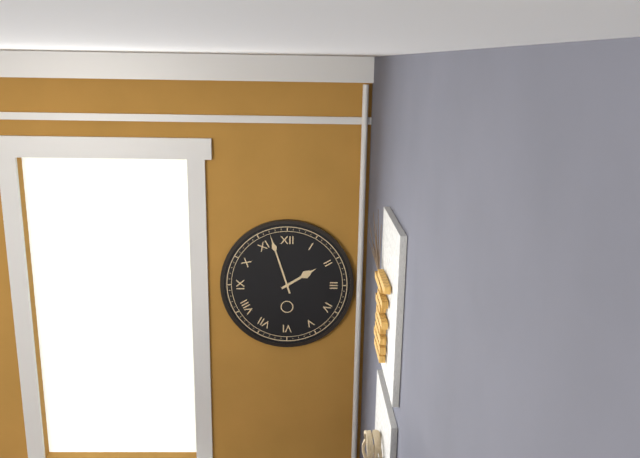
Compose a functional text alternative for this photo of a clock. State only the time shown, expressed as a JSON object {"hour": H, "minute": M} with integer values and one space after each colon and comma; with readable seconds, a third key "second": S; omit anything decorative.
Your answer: {"hour": 1, "minute": 57}
